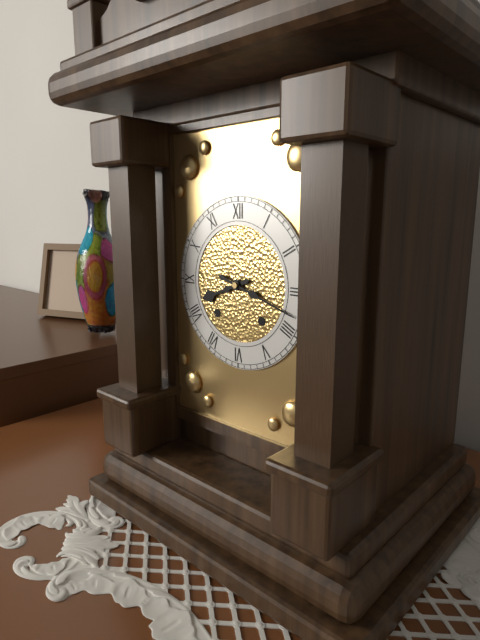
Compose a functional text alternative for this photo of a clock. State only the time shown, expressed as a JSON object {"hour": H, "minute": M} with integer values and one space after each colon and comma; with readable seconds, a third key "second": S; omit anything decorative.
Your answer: {"hour": 8, "minute": 18}
